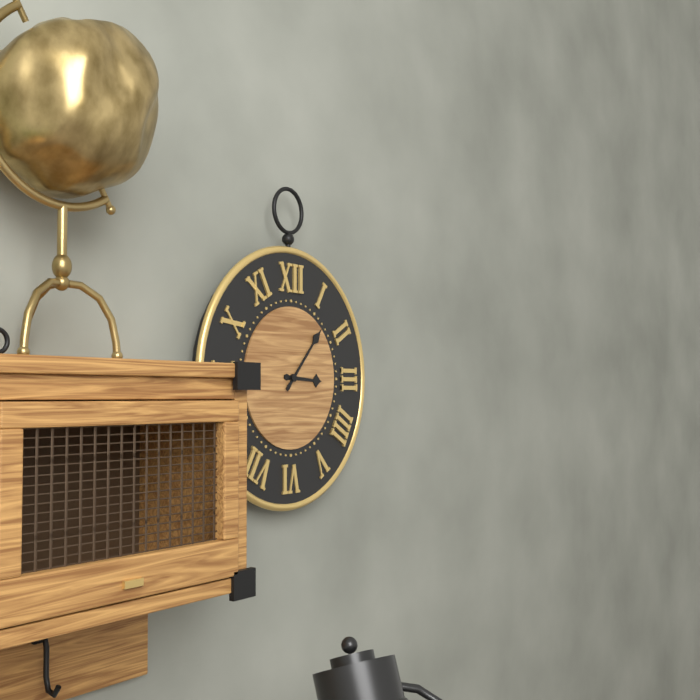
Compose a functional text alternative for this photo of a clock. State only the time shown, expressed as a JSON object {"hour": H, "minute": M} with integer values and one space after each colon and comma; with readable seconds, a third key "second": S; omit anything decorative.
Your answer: {"hour": 3, "minute": 7}
